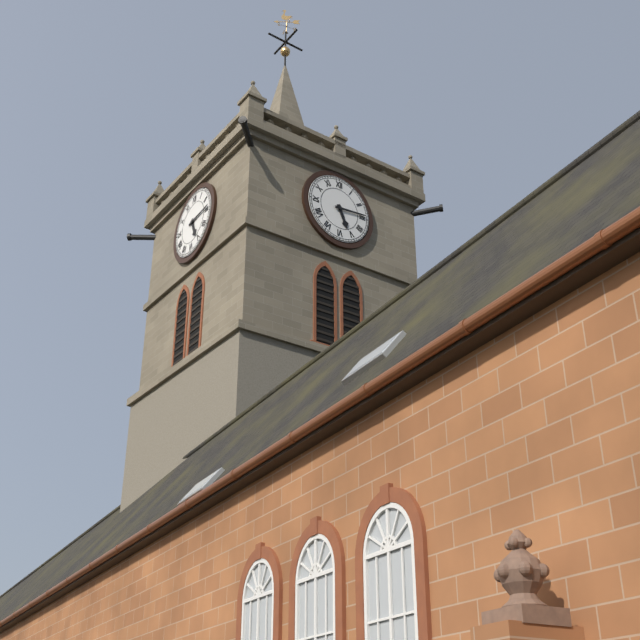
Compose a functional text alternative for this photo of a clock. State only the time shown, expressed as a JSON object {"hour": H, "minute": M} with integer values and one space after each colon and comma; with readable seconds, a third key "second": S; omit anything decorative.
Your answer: {"hour": 5, "minute": 14}
